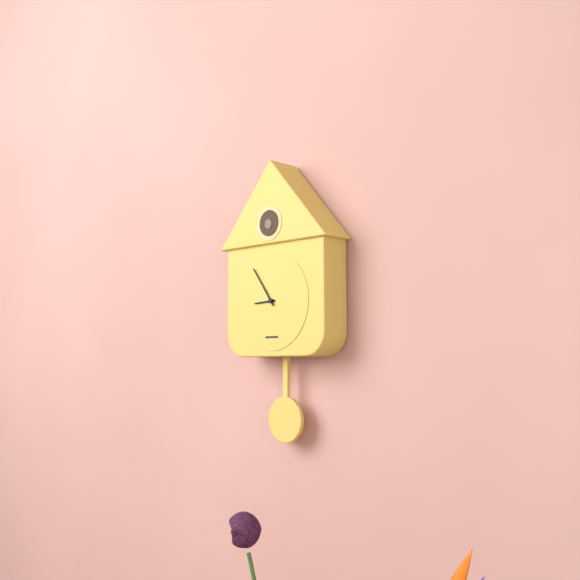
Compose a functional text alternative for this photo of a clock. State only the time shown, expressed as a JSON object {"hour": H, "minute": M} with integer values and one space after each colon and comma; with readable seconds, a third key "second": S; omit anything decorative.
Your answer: {"hour": 8, "minute": 54}
